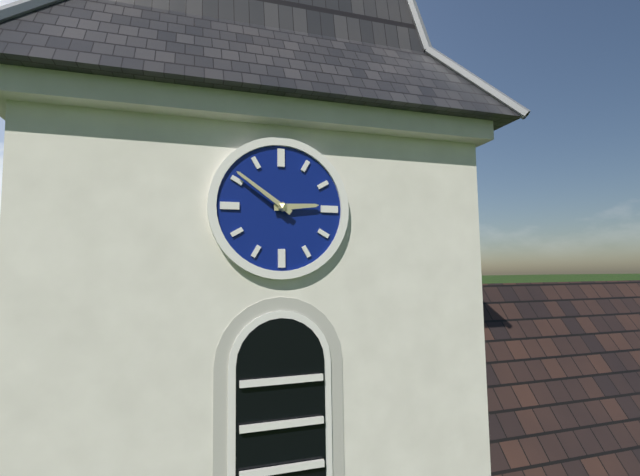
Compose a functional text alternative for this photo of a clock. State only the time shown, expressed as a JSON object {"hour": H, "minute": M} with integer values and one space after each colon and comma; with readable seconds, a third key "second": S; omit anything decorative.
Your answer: {"hour": 2, "minute": 51}
